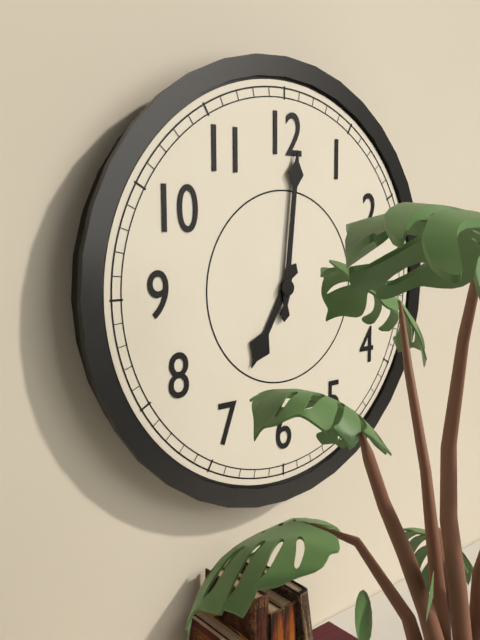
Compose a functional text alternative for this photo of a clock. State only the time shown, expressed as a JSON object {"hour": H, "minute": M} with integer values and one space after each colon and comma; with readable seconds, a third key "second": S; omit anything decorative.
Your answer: {"hour": 7, "minute": 1}
